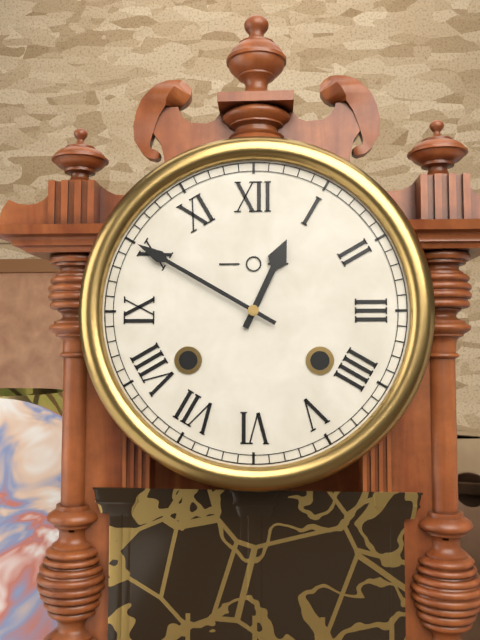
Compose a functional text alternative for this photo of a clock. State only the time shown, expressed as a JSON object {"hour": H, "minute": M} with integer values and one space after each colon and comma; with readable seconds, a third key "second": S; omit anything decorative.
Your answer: {"hour": 12, "minute": 50}
